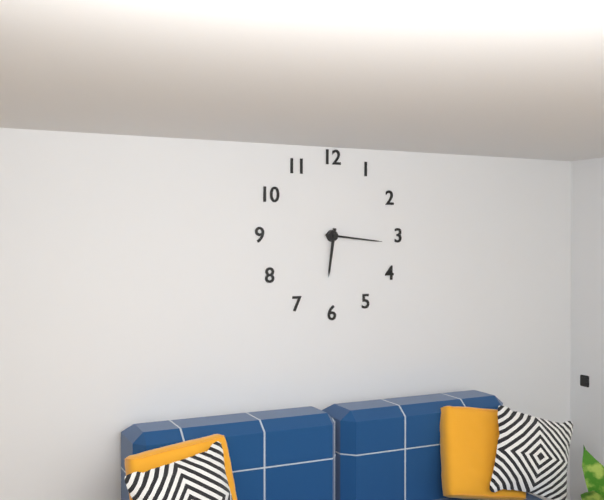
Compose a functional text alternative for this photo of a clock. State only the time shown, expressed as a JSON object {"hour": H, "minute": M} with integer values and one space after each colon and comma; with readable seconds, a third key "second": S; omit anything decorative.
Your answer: {"hour": 6, "minute": 16}
